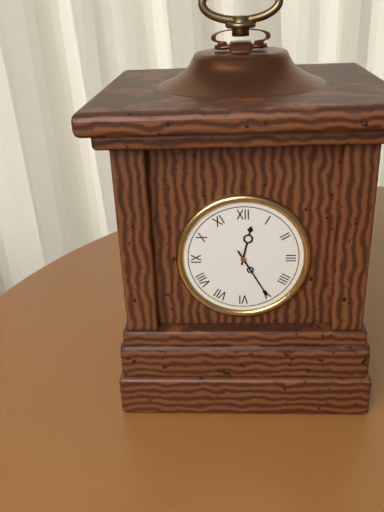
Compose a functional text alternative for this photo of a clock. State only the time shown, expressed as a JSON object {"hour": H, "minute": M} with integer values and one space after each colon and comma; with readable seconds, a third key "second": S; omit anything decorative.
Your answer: {"hour": 12, "minute": 25}
